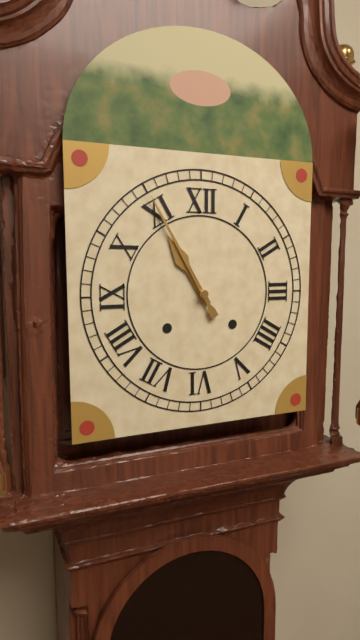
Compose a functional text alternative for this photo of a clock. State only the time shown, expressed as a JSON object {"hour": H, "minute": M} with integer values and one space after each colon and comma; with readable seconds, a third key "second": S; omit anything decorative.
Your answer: {"hour": 10, "minute": 55}
